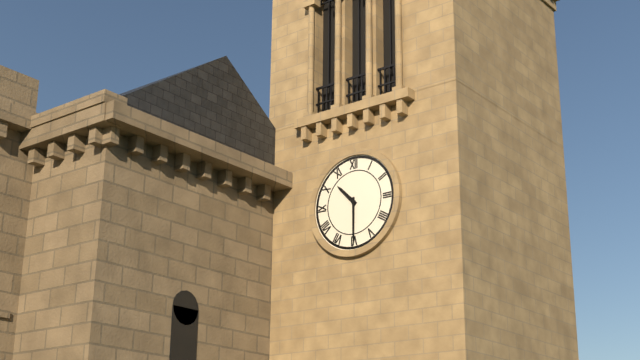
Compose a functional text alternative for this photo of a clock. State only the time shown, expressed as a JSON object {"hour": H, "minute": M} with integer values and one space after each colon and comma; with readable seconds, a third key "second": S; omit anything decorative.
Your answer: {"hour": 10, "minute": 30}
